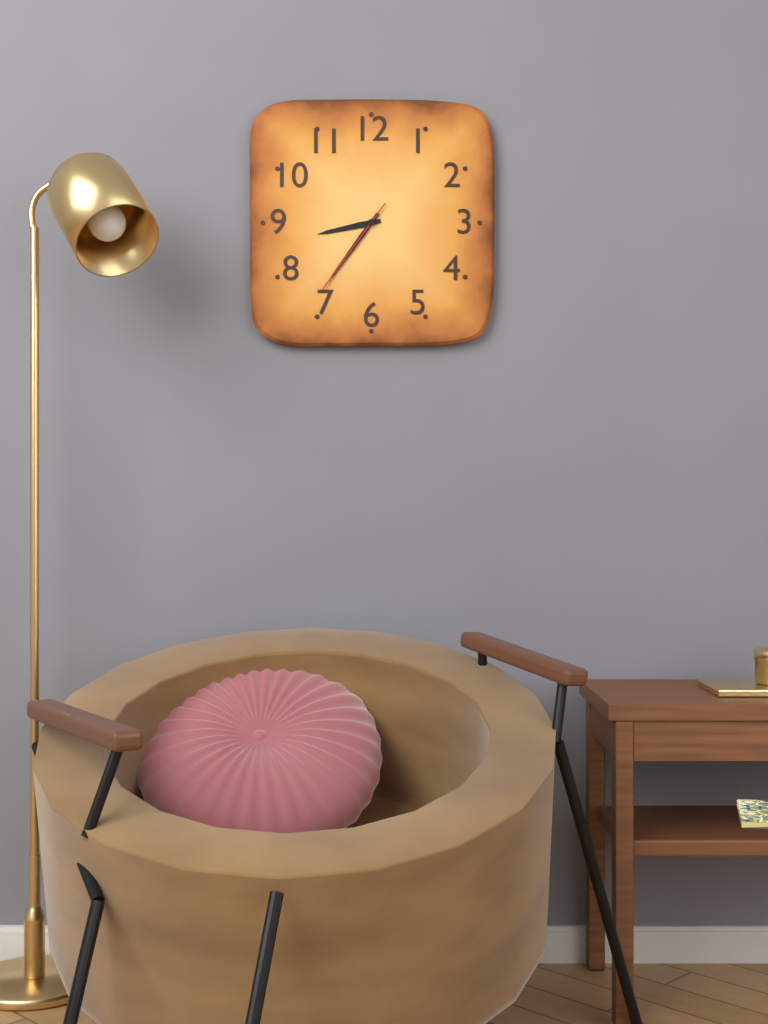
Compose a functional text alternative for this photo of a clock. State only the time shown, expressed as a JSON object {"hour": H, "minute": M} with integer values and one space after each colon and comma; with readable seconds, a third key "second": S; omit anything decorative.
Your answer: {"hour": 8, "minute": 36, "second": 36}
